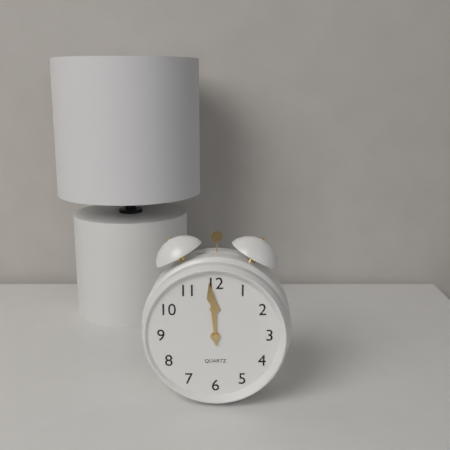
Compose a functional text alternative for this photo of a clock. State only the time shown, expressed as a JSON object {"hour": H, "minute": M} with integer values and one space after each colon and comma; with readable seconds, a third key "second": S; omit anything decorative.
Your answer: {"hour": 11, "minute": 59}
